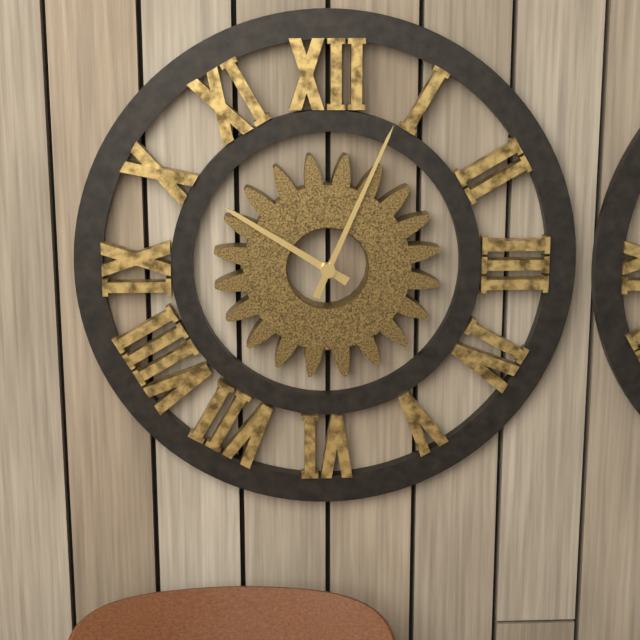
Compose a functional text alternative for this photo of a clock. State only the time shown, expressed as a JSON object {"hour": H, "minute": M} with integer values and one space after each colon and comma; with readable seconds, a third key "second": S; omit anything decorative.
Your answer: {"hour": 10, "minute": 4}
